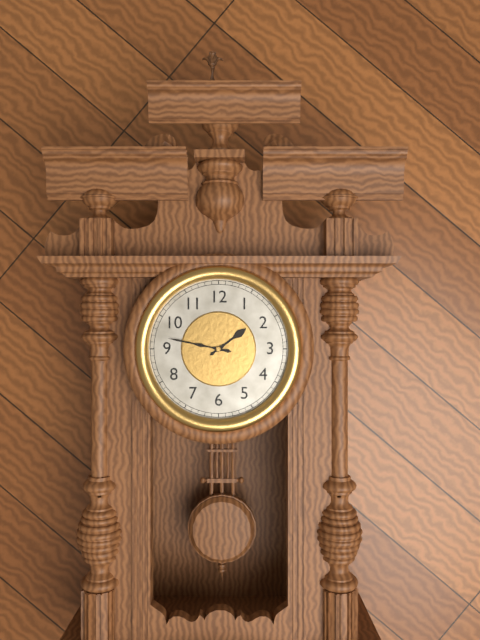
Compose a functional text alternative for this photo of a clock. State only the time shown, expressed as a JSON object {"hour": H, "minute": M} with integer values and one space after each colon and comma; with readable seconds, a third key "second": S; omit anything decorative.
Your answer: {"hour": 1, "minute": 47}
